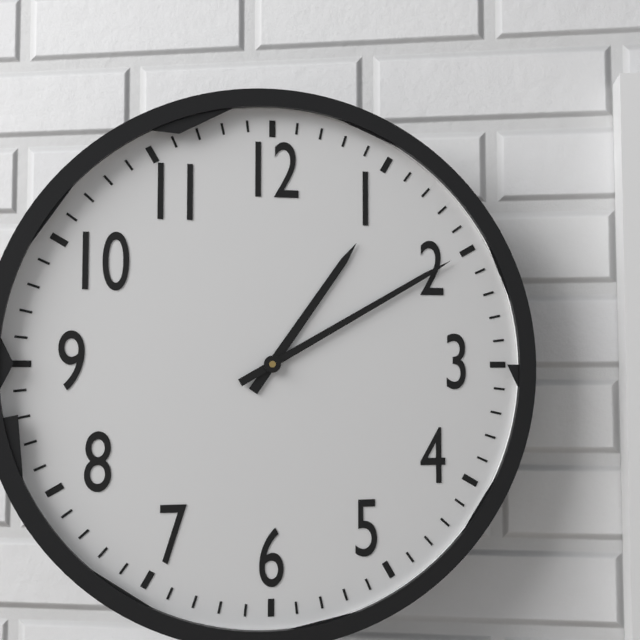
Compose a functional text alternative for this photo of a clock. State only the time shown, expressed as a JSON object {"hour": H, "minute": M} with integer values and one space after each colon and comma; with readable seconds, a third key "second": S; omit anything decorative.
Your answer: {"hour": 1, "minute": 10}
